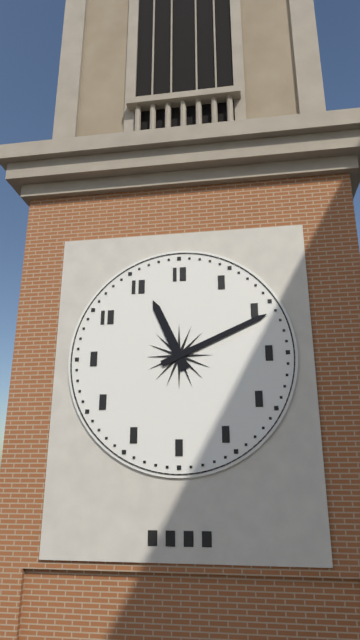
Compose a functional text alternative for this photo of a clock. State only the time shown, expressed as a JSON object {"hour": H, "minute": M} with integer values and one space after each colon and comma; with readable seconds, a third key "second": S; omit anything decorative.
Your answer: {"hour": 11, "minute": 11}
